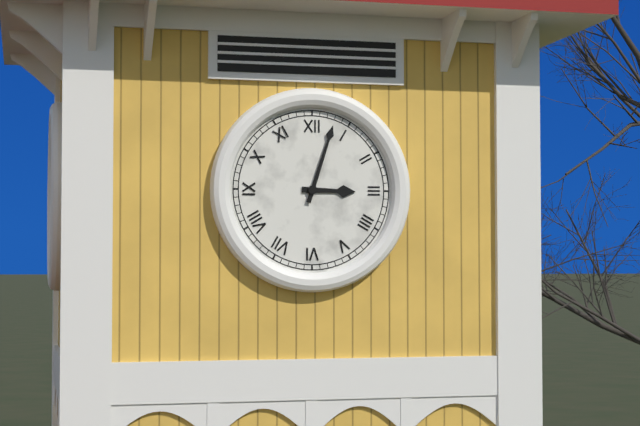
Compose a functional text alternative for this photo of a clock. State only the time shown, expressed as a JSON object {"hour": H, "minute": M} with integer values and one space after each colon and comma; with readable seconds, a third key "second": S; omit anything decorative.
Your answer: {"hour": 3, "minute": 3}
